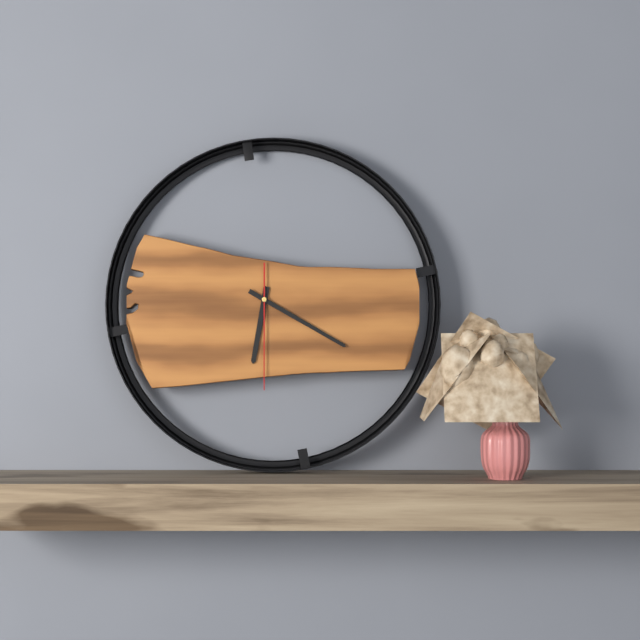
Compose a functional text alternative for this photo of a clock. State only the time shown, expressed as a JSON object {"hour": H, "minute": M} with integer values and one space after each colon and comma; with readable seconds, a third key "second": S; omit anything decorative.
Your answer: {"hour": 6, "minute": 20, "second": 30}
